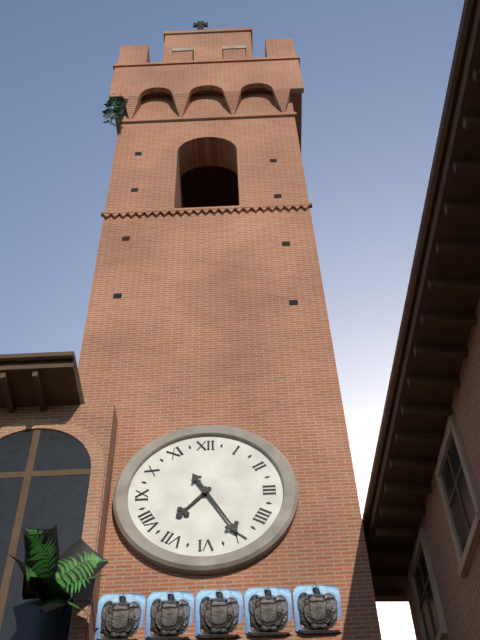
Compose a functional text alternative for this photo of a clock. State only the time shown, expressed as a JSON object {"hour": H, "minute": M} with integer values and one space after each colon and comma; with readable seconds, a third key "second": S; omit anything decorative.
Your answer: {"hour": 7, "minute": 25}
